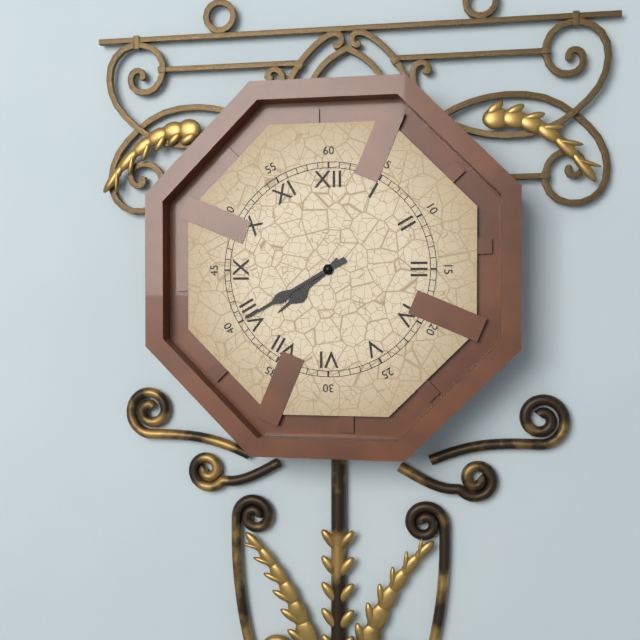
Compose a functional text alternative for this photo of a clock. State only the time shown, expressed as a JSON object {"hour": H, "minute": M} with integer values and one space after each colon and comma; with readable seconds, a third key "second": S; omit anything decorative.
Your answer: {"hour": 7, "minute": 40}
